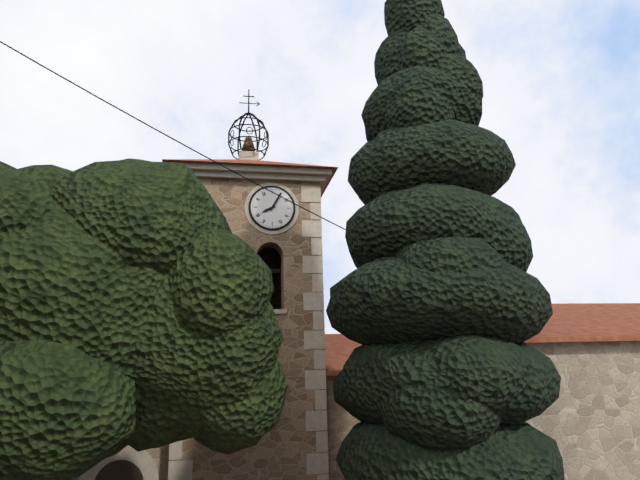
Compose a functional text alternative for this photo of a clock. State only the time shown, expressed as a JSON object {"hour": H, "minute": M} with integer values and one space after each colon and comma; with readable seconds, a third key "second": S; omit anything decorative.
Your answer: {"hour": 8, "minute": 5}
